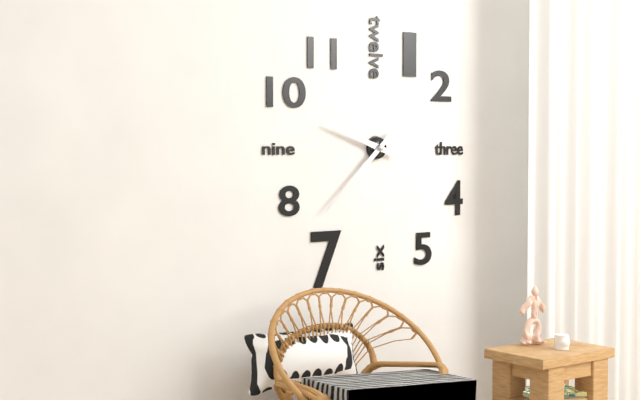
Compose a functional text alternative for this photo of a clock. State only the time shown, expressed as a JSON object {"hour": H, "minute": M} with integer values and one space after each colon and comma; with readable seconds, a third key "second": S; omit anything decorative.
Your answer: {"hour": 9, "minute": 38}
